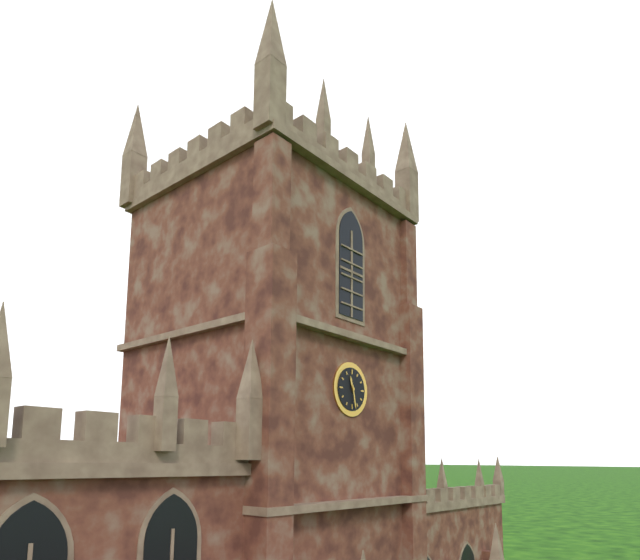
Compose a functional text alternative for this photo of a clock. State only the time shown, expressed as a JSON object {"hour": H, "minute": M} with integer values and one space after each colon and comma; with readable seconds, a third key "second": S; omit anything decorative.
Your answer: {"hour": 11, "minute": 28}
